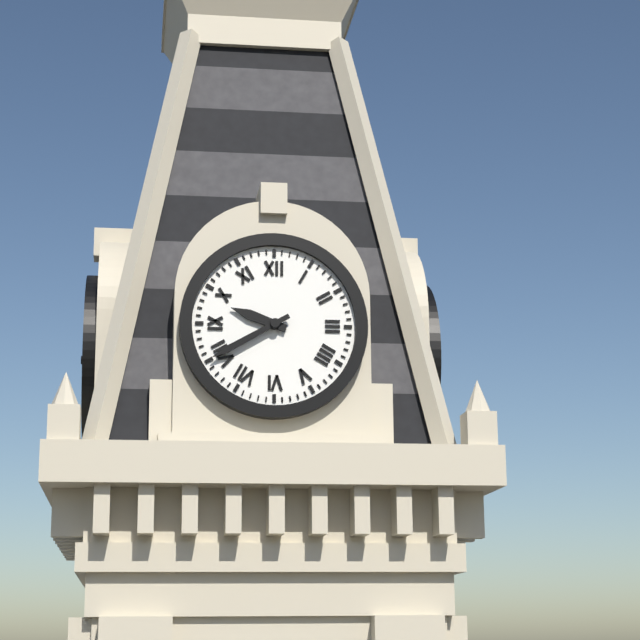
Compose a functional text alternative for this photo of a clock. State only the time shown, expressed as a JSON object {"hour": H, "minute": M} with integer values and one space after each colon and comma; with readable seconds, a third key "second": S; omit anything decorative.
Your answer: {"hour": 9, "minute": 40}
